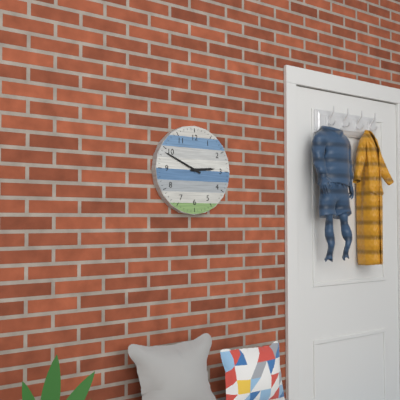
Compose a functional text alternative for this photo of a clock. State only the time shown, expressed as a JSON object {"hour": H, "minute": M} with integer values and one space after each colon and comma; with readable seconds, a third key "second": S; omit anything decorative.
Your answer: {"hour": 2, "minute": 49}
